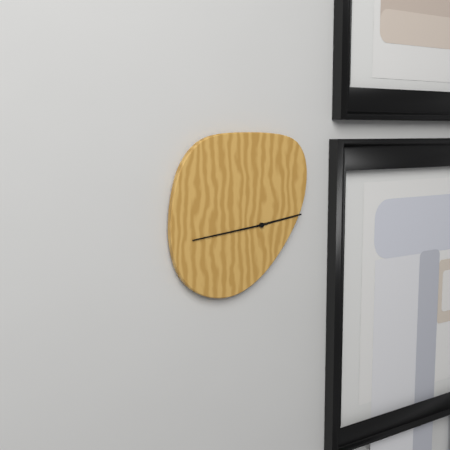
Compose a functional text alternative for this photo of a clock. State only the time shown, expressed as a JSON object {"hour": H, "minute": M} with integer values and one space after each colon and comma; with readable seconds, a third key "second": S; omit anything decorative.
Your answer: {"hour": 2, "minute": 44}
